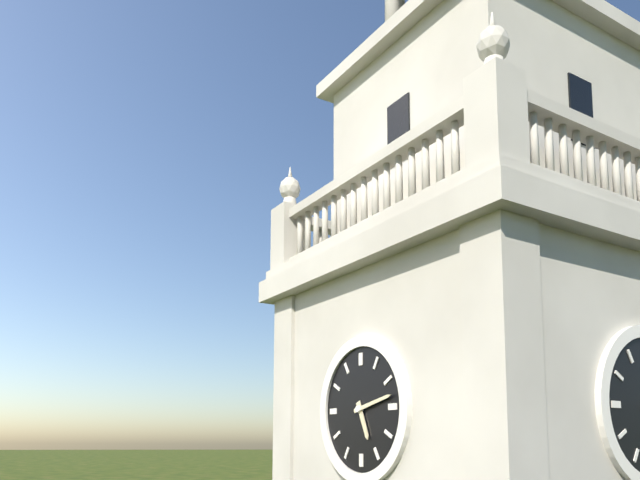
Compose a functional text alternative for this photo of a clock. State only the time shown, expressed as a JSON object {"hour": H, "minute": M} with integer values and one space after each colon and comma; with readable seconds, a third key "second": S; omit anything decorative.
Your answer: {"hour": 5, "minute": 13}
